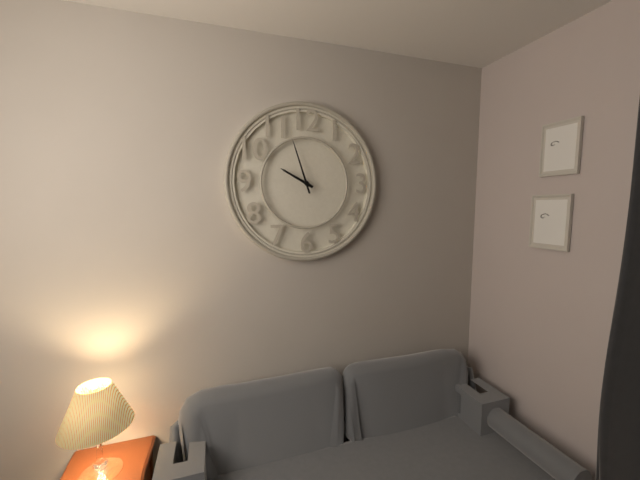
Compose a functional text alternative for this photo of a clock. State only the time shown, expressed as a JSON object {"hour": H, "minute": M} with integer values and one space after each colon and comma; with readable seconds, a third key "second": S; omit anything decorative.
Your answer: {"hour": 9, "minute": 57}
